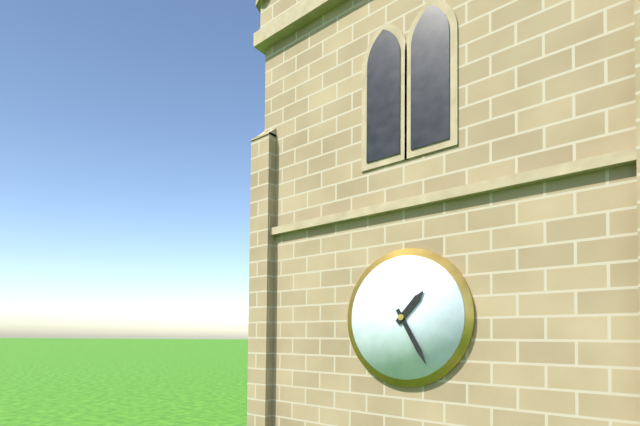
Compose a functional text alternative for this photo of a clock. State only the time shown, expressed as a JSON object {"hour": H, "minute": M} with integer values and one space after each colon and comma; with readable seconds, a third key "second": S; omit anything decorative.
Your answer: {"hour": 1, "minute": 25}
